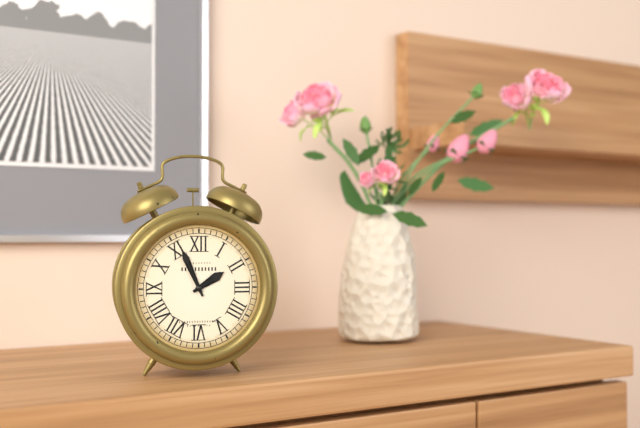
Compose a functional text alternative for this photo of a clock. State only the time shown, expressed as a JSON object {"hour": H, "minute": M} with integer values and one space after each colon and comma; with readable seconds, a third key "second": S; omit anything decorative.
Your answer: {"hour": 1, "minute": 56}
